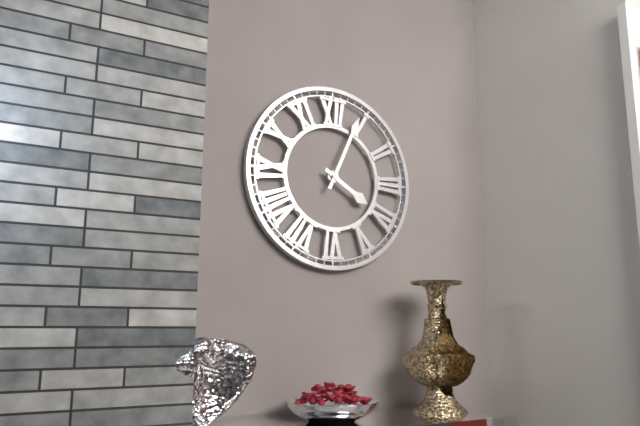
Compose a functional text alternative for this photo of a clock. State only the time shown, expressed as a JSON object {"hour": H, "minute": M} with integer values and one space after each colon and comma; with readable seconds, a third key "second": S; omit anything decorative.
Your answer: {"hour": 4, "minute": 4}
